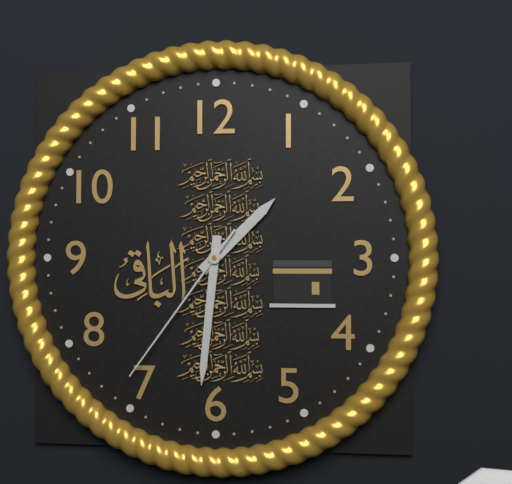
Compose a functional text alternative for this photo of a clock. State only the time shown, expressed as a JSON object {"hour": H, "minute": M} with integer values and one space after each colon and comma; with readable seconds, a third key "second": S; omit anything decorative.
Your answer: {"hour": 1, "minute": 31, "second": 36}
